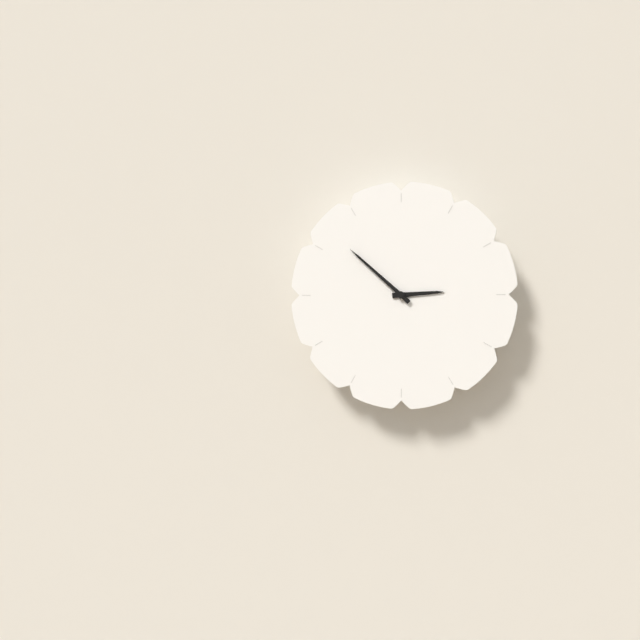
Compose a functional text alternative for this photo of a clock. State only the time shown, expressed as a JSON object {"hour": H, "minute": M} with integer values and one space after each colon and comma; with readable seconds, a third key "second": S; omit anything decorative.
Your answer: {"hour": 2, "minute": 52}
